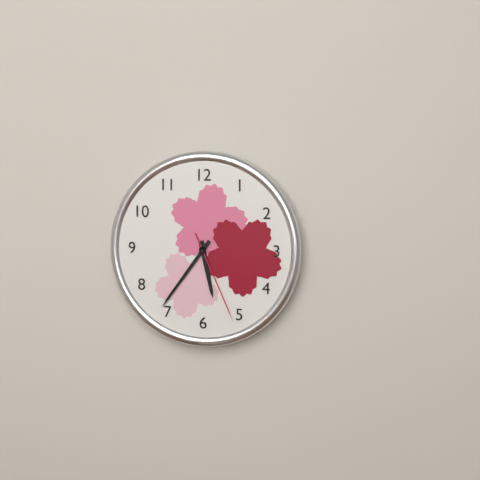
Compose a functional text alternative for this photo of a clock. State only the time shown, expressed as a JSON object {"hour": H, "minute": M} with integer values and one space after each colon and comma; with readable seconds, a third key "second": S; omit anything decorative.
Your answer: {"hour": 5, "minute": 36, "second": 26}
